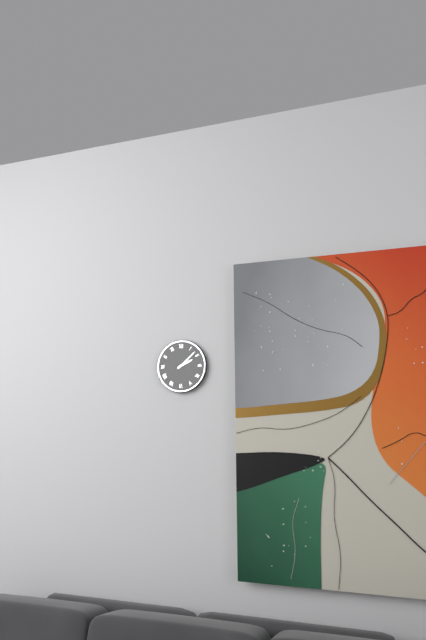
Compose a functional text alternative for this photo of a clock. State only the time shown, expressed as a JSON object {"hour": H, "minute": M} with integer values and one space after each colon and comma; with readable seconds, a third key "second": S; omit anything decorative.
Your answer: {"hour": 2, "minute": 8}
